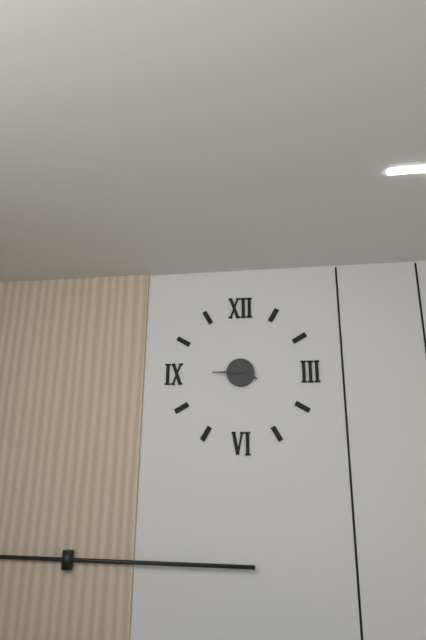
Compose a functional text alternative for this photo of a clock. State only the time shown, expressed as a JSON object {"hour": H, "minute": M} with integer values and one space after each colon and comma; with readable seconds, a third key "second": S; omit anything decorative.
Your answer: {"hour": 3, "minute": 45}
